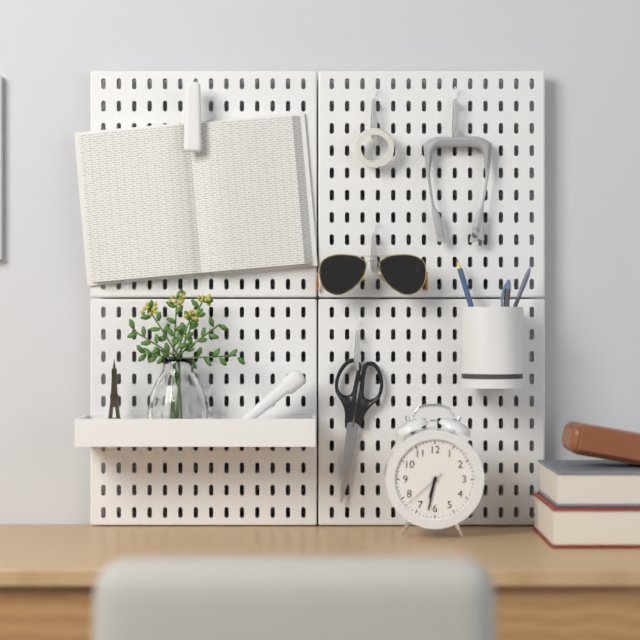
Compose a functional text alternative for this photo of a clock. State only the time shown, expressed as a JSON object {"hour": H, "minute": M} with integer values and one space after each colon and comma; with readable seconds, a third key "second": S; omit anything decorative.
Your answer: {"hour": 6, "minute": 32}
